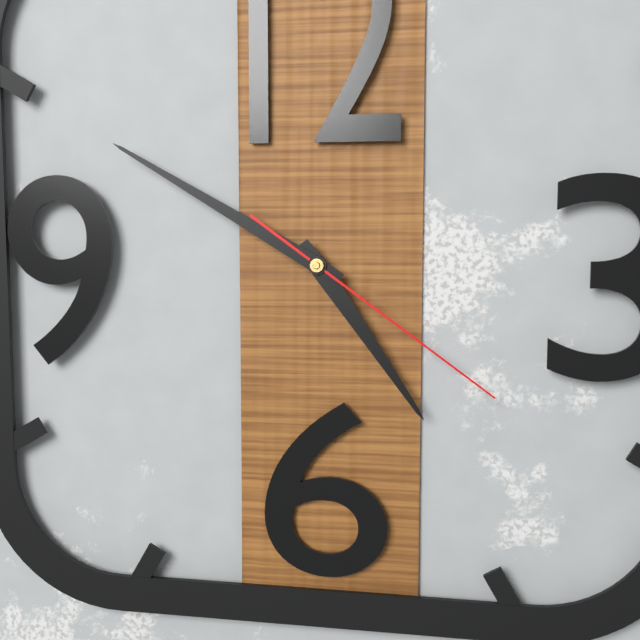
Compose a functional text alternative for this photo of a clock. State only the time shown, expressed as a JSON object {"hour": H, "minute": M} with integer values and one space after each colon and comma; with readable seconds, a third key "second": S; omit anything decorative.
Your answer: {"hour": 4, "minute": 50, "second": 21}
